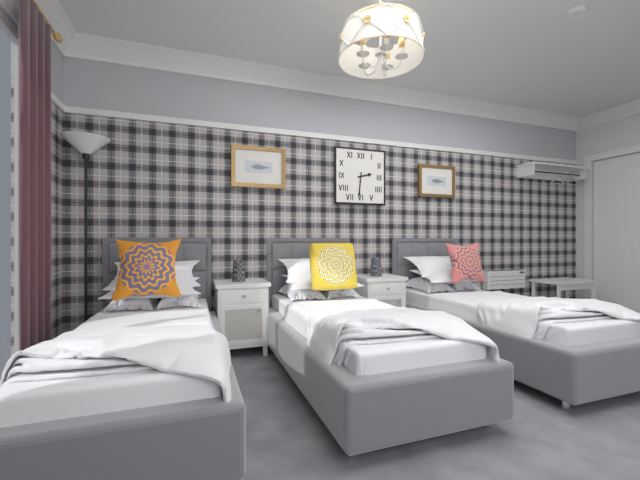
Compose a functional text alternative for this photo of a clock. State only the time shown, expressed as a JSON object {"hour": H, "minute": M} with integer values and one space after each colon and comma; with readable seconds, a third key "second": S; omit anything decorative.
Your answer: {"hour": 2, "minute": 31}
